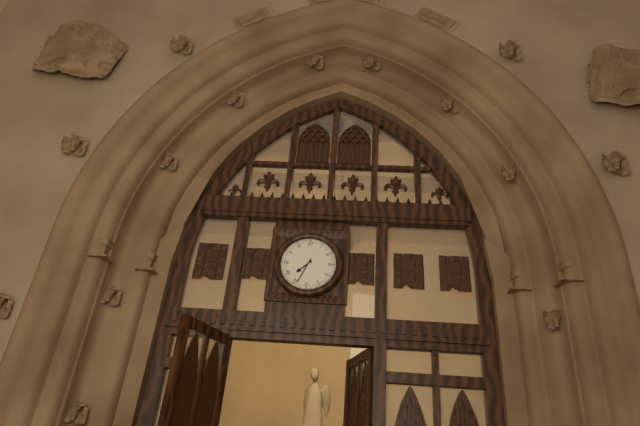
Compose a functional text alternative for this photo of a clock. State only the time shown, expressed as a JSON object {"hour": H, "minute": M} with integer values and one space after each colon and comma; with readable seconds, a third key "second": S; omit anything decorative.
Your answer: {"hour": 7, "minute": 34}
